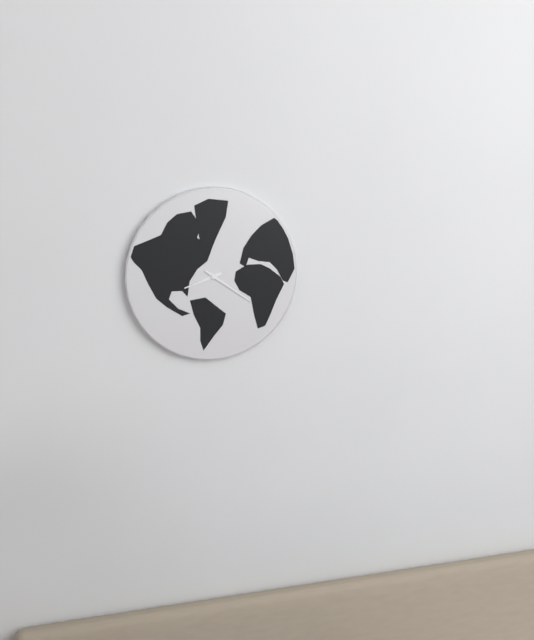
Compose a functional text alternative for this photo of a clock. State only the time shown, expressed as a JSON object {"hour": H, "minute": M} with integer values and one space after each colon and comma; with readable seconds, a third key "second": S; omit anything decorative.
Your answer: {"hour": 8, "minute": 21}
